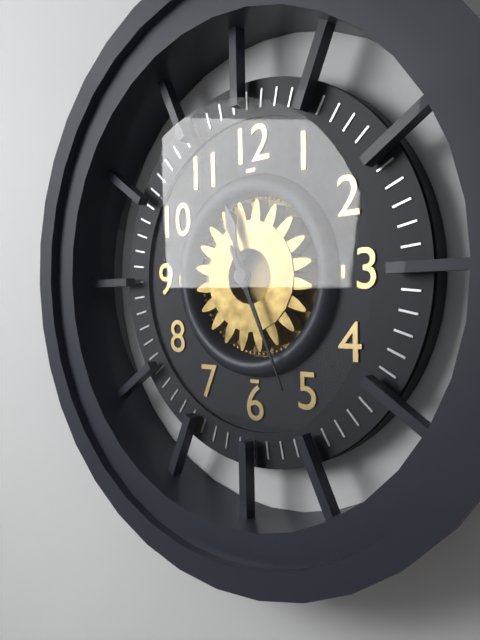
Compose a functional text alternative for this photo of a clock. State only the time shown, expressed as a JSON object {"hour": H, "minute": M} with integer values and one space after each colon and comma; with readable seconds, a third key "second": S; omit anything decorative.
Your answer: {"hour": 11, "minute": 26}
